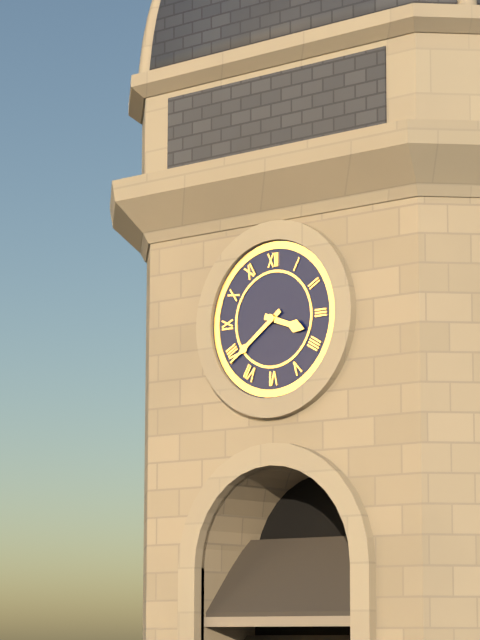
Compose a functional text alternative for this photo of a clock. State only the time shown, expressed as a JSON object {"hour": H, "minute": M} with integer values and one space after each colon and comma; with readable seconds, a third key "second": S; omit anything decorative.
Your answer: {"hour": 3, "minute": 39}
